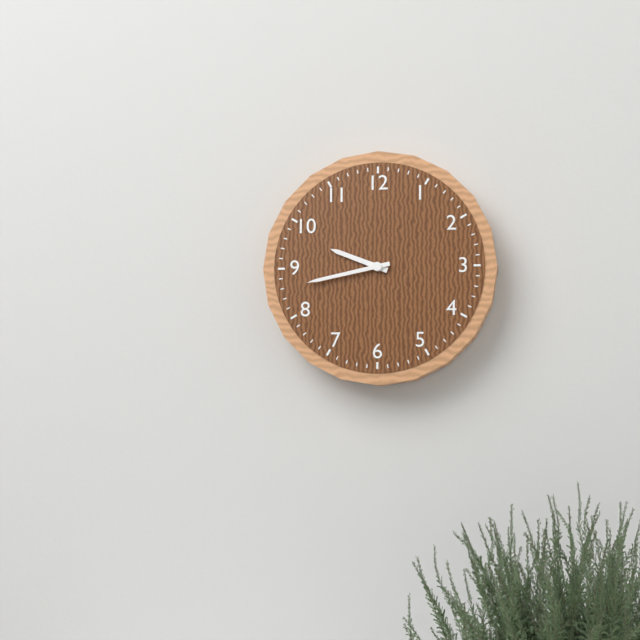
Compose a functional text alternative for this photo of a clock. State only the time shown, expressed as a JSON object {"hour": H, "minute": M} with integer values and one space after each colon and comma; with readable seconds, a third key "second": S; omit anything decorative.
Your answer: {"hour": 9, "minute": 43}
